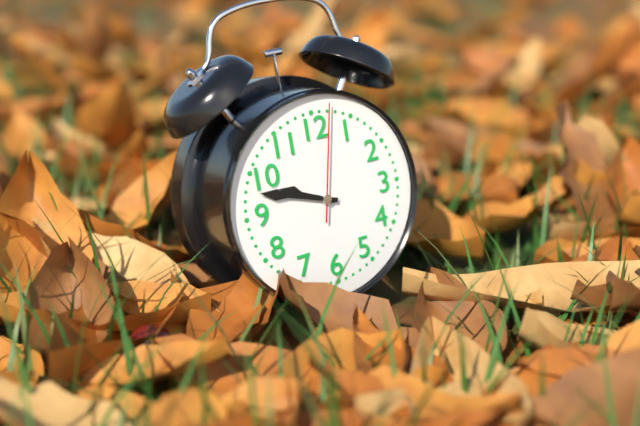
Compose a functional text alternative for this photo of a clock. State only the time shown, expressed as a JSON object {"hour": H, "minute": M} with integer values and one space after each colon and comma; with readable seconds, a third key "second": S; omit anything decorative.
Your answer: {"hour": 9, "minute": 48, "second": 2}
